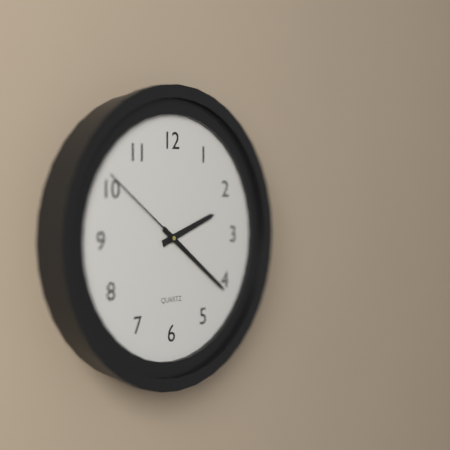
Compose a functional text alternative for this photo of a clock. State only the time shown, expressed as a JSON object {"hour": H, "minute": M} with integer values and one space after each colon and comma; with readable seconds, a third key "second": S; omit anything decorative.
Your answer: {"hour": 2, "minute": 21, "second": 51}
